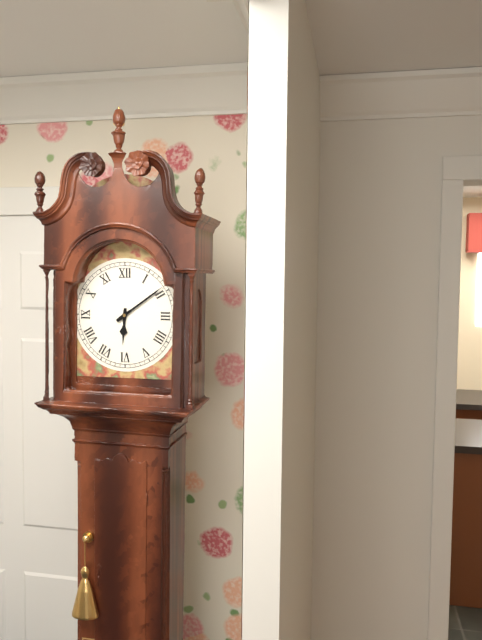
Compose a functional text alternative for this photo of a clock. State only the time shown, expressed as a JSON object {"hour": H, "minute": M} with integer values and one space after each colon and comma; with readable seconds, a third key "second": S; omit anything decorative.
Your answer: {"hour": 6, "minute": 9}
